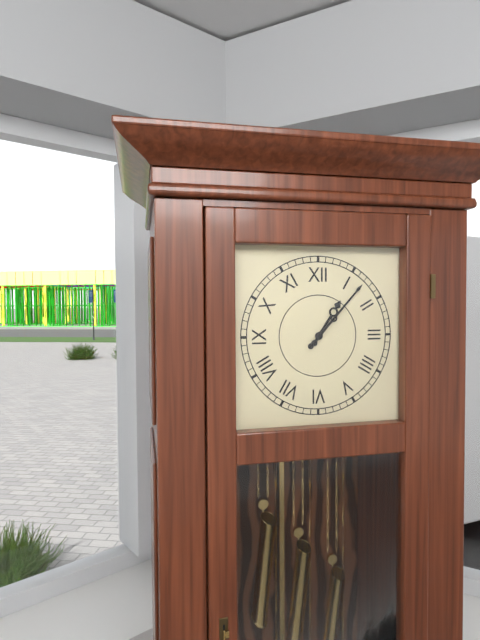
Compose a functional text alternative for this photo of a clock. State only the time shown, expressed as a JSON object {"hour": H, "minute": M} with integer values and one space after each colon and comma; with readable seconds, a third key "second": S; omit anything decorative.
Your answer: {"hour": 1, "minute": 7}
